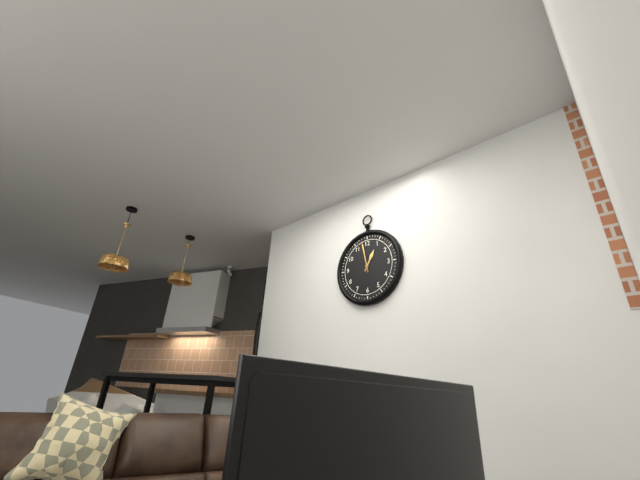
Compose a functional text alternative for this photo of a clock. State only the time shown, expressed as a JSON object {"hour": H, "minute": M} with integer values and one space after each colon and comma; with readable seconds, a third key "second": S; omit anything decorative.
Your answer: {"hour": 12, "minute": 58}
